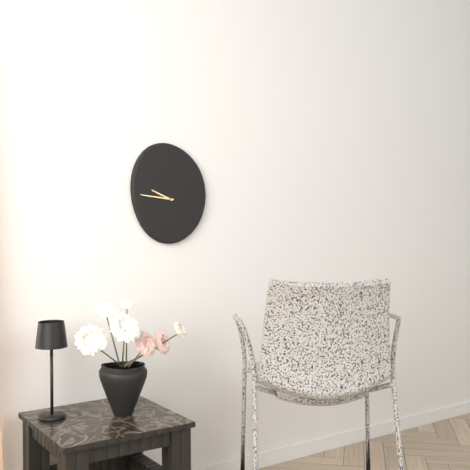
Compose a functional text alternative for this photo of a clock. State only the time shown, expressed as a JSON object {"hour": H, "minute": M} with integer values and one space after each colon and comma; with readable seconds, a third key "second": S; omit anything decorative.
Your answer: {"hour": 9, "minute": 46}
